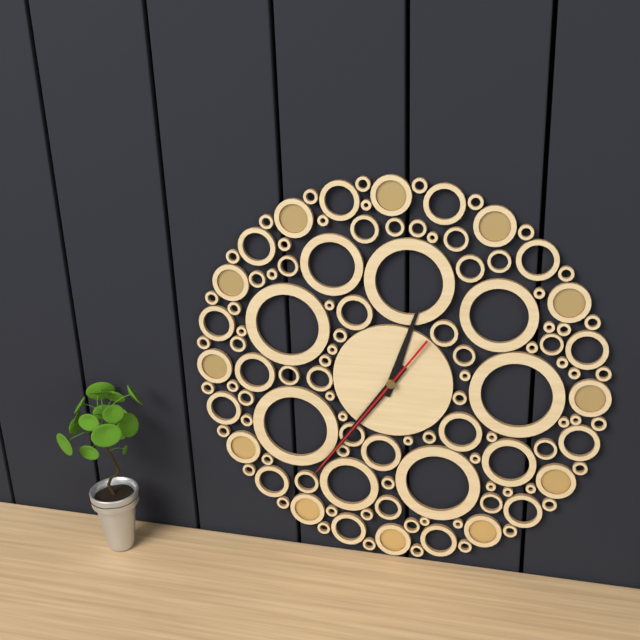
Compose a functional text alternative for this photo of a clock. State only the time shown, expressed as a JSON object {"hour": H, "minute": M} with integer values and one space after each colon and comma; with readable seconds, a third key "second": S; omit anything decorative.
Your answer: {"hour": 12, "minute": 36, "second": 36}
